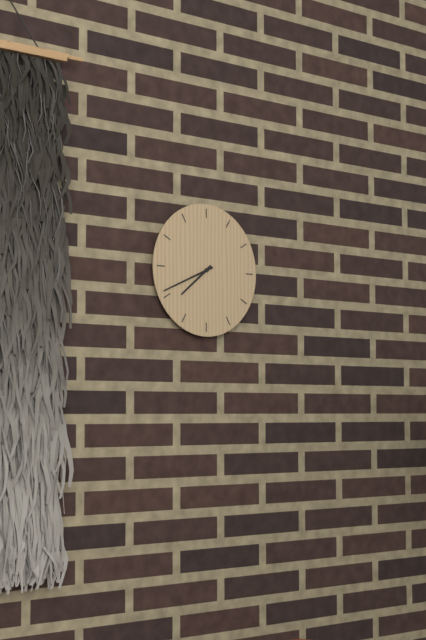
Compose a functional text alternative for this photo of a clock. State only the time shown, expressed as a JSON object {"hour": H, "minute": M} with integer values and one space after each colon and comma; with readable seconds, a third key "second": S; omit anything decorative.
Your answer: {"hour": 7, "minute": 41}
